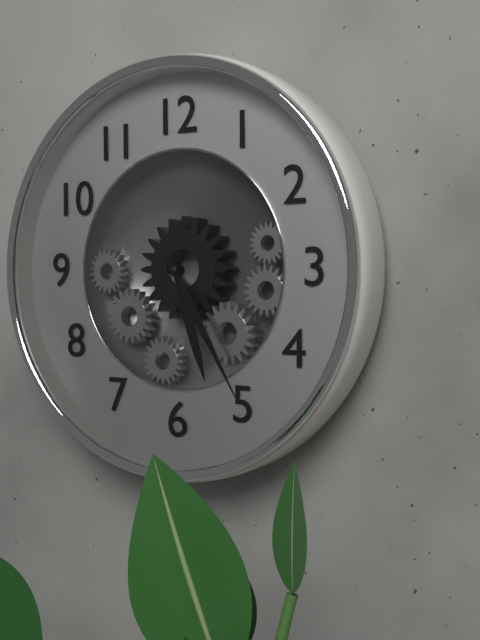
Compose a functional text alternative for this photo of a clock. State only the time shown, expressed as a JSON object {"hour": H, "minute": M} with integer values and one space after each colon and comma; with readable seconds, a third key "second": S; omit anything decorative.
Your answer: {"hour": 5, "minute": 25}
